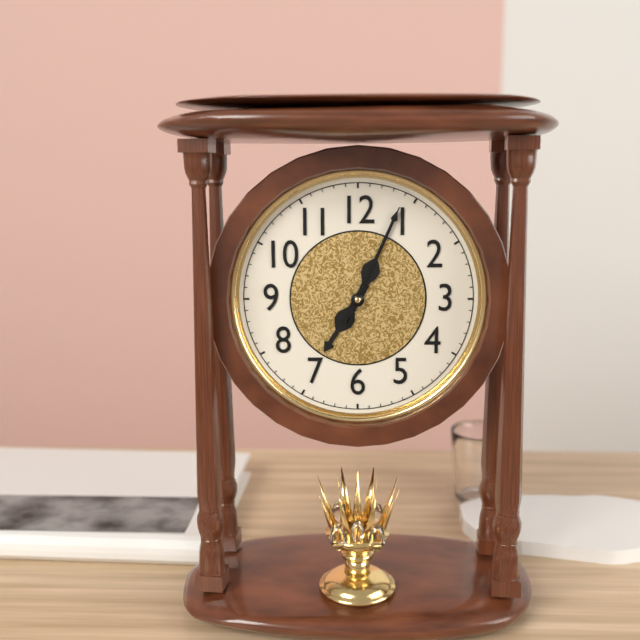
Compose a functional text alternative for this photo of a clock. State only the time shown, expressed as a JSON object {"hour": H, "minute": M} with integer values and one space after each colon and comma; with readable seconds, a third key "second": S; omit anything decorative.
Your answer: {"hour": 7, "minute": 4, "second": 4}
